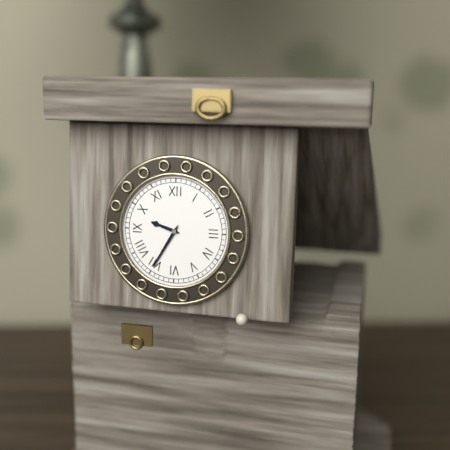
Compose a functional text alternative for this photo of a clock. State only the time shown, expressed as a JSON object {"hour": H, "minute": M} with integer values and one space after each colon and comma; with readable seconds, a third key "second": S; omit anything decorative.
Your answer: {"hour": 9, "minute": 35}
